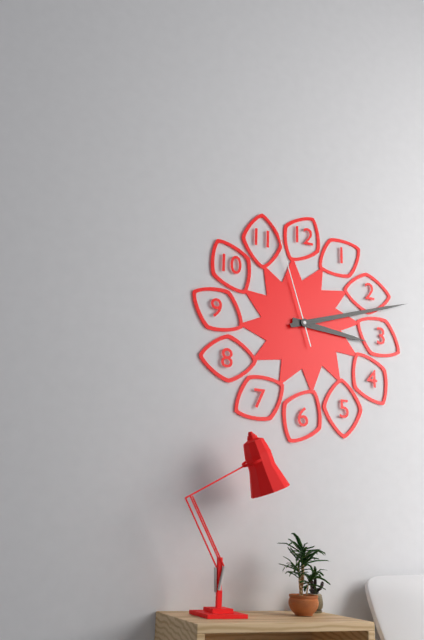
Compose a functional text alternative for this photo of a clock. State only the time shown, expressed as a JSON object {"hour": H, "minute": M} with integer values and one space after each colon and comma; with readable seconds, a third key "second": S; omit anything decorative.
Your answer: {"hour": 3, "minute": 12, "second": 57}
